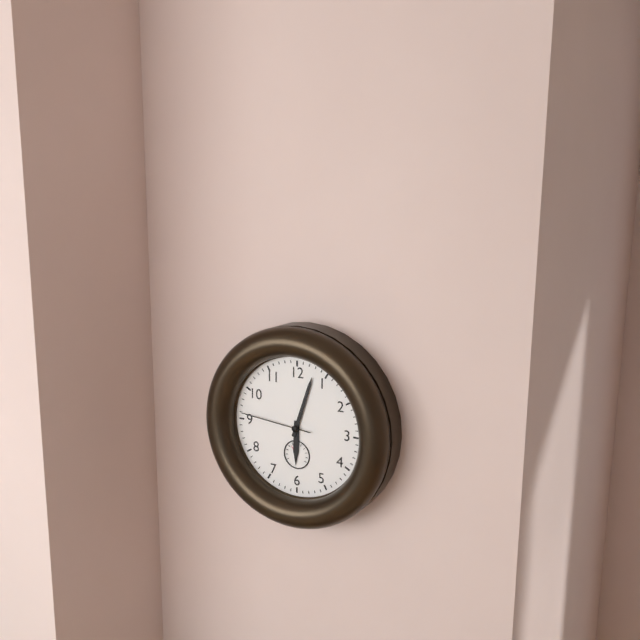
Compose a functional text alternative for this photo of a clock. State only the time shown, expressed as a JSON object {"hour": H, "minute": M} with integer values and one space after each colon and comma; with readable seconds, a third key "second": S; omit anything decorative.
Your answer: {"hour": 6, "minute": 3, "second": 46}
